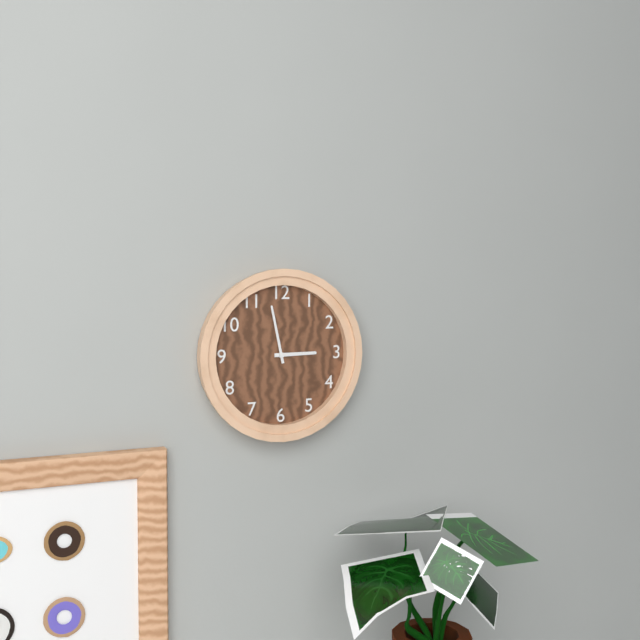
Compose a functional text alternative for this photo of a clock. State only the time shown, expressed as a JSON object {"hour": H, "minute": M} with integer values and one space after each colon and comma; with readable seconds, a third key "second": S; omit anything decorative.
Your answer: {"hour": 2, "minute": 58}
